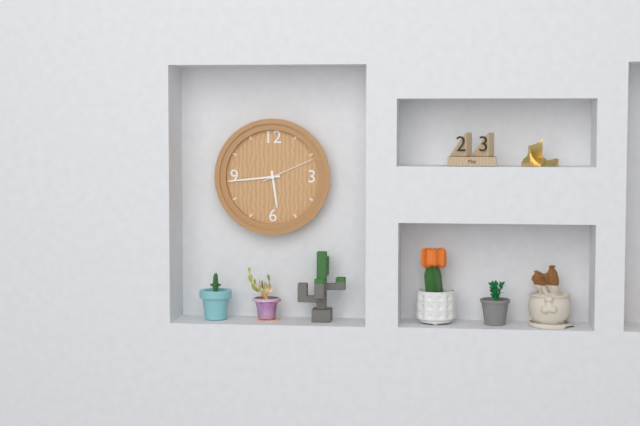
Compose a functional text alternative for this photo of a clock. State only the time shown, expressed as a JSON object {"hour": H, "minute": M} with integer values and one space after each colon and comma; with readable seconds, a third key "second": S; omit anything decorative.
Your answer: {"hour": 5, "minute": 44, "second": 11}
